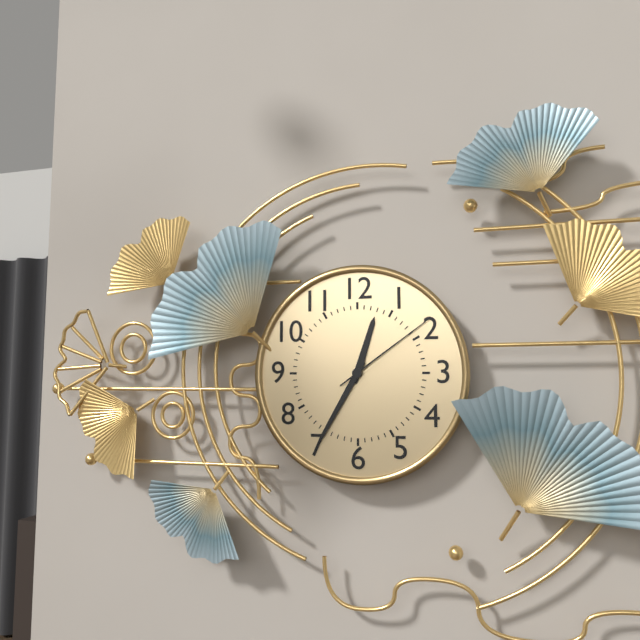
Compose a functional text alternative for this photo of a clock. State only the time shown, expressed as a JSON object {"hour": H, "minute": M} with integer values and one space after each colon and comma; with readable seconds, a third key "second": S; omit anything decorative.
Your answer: {"hour": 12, "minute": 35, "second": 9}
